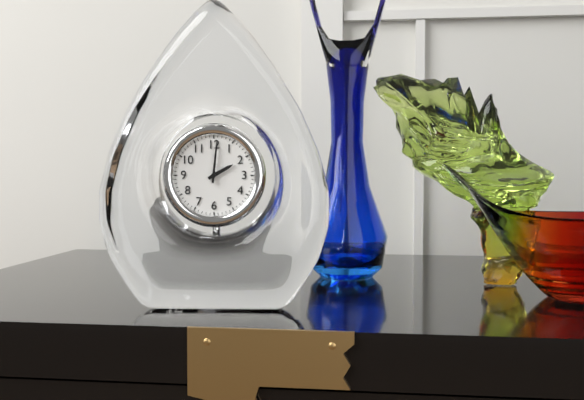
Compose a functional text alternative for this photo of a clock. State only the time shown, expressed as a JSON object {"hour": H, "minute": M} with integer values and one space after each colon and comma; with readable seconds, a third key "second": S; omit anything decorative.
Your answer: {"hour": 2, "minute": 1}
